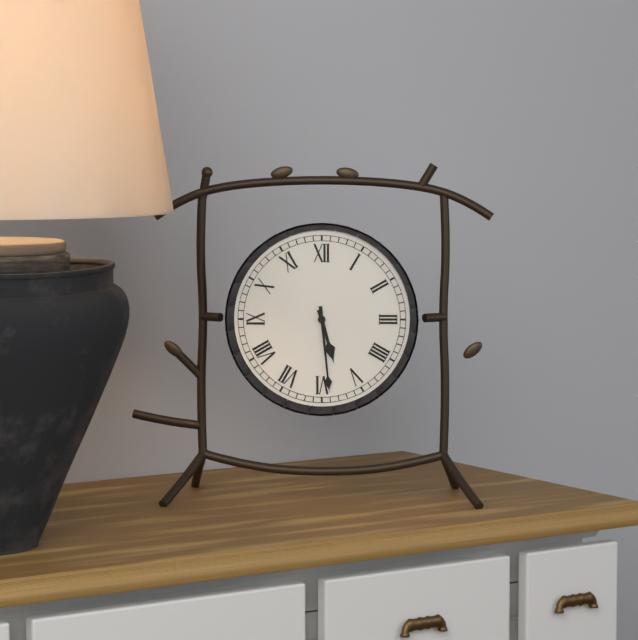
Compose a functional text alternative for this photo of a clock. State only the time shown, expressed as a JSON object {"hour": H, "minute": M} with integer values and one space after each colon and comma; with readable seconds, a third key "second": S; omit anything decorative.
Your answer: {"hour": 5, "minute": 29}
